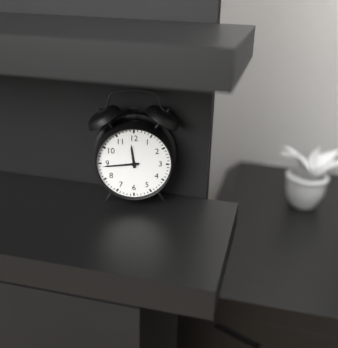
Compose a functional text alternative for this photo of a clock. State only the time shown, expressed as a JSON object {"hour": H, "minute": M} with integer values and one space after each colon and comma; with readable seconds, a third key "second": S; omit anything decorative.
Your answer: {"hour": 11, "minute": 44}
